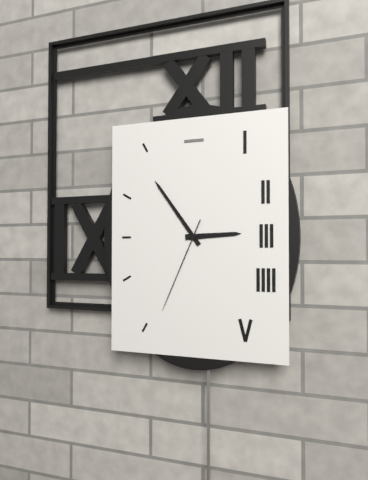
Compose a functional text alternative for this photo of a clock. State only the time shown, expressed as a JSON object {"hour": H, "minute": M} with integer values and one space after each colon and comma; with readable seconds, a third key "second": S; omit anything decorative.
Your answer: {"hour": 2, "minute": 54, "second": 34}
